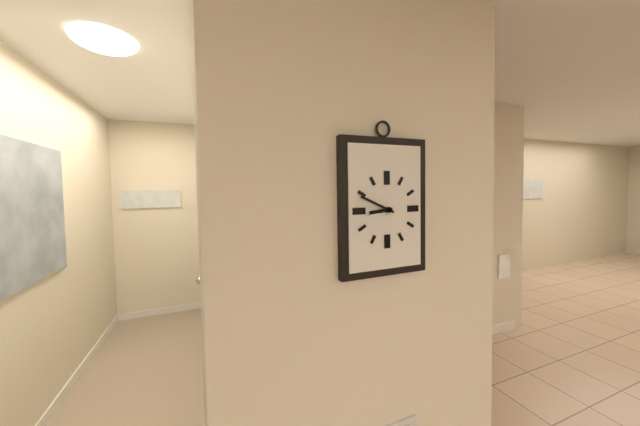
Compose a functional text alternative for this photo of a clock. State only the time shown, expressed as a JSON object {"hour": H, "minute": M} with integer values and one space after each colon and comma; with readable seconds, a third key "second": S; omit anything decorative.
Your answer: {"hour": 8, "minute": 49}
